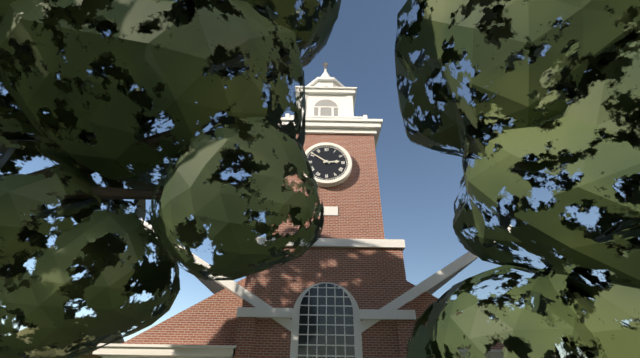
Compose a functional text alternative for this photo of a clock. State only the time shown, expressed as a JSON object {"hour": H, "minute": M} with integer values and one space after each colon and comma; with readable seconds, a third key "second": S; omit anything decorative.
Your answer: {"hour": 2, "minute": 51}
